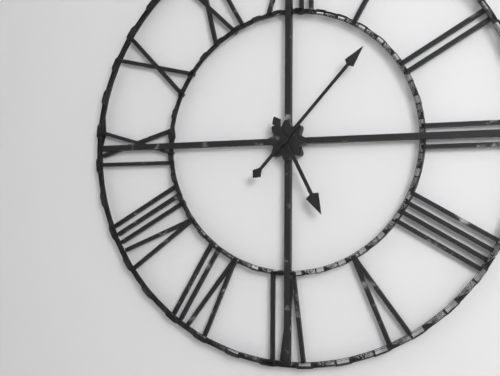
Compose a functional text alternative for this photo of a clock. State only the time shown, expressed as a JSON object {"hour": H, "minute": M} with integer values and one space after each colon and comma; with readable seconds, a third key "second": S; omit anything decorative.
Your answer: {"hour": 5, "minute": 7}
